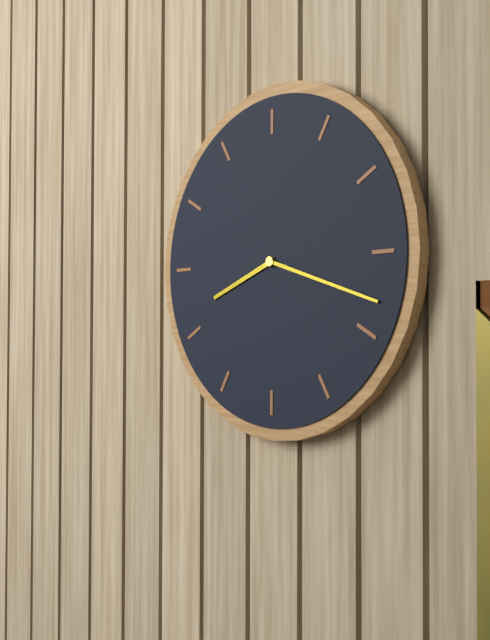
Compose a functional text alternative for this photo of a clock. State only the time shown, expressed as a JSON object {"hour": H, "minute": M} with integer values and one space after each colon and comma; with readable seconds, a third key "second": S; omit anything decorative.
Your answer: {"hour": 8, "minute": 18}
